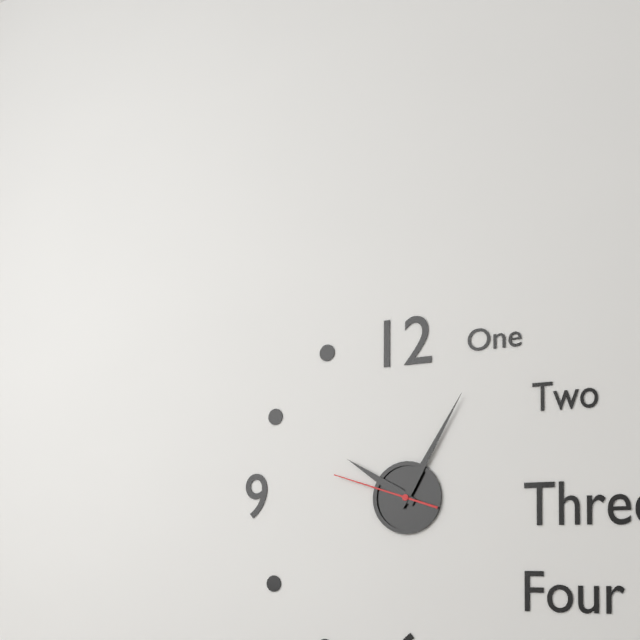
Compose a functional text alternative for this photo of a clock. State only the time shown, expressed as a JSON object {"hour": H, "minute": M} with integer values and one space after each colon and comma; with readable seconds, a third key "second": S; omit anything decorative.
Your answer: {"hour": 10, "minute": 5, "second": 48}
